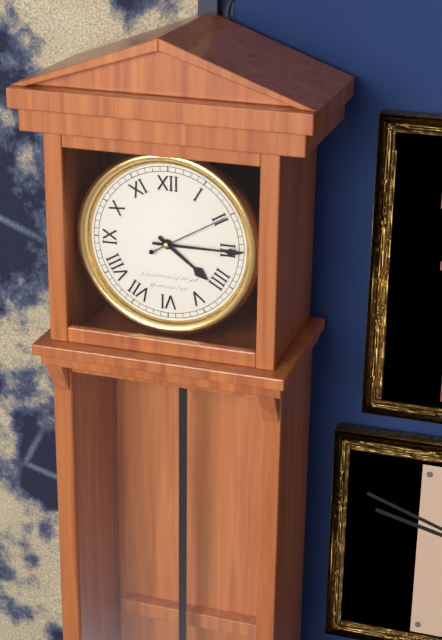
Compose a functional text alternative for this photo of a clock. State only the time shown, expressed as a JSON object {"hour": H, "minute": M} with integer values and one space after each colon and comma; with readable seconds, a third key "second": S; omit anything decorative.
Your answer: {"hour": 4, "minute": 15, "second": 10}
